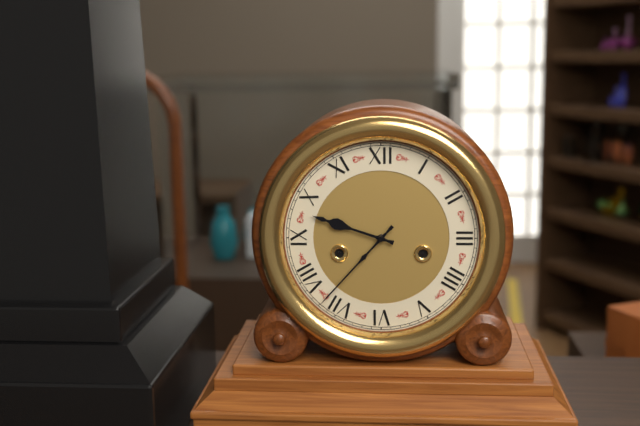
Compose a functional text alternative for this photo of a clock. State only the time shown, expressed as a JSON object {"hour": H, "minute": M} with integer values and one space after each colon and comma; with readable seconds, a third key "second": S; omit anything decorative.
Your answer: {"hour": 9, "minute": 37}
